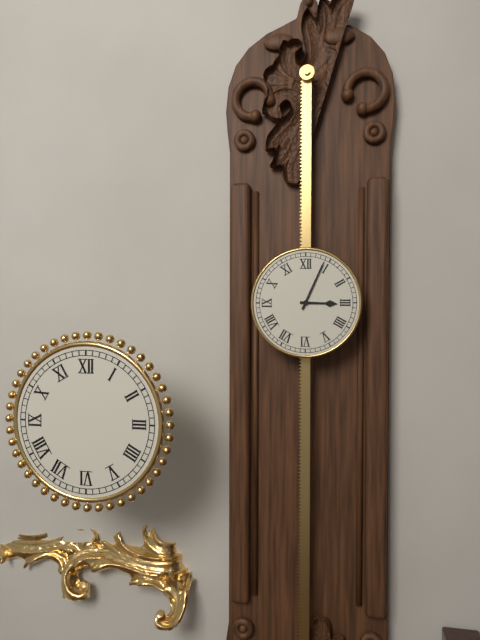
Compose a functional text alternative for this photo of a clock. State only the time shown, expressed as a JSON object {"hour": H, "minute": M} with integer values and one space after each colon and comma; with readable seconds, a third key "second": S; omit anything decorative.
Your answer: {"hour": 3, "minute": 4}
